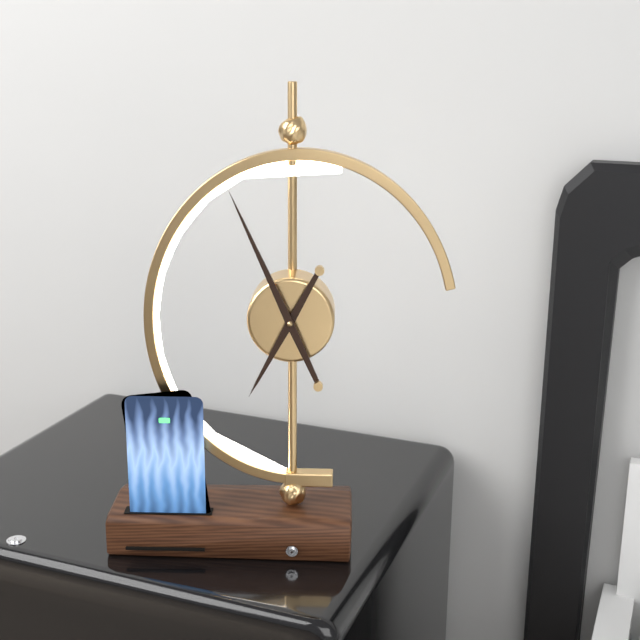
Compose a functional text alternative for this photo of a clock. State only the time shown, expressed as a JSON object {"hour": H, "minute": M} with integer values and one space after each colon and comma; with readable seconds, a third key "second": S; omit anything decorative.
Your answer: {"hour": 6, "minute": 56}
